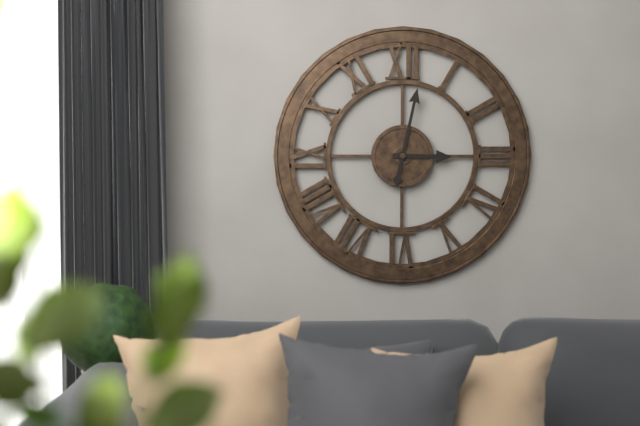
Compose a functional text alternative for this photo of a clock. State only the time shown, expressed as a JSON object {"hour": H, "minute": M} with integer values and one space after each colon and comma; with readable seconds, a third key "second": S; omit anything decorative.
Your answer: {"hour": 3, "minute": 2}
